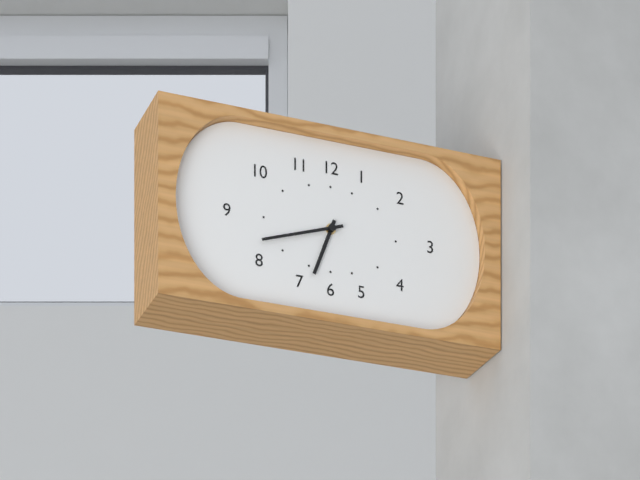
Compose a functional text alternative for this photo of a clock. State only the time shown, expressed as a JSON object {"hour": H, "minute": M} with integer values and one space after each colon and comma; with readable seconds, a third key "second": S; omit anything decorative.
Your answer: {"hour": 6, "minute": 42}
